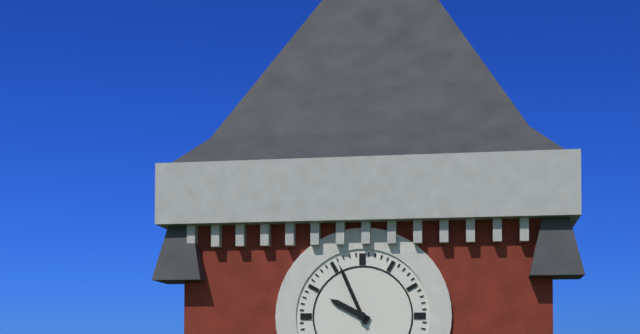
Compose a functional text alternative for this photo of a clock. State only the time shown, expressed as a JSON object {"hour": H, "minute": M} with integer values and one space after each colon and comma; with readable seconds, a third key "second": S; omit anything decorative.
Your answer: {"hour": 9, "minute": 56}
